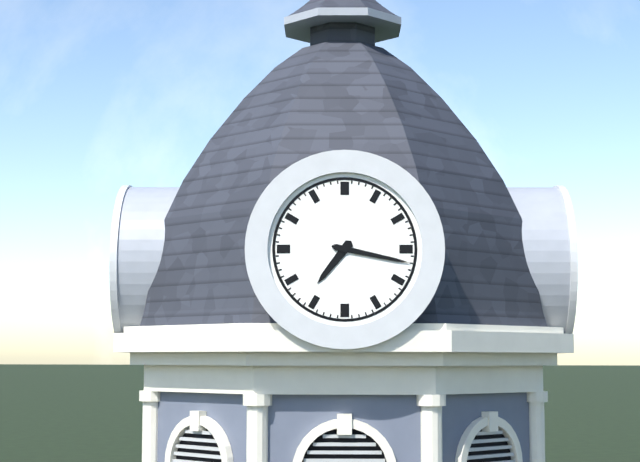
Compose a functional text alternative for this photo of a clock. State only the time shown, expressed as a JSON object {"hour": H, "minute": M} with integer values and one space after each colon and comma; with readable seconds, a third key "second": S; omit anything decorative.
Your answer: {"hour": 7, "minute": 17}
